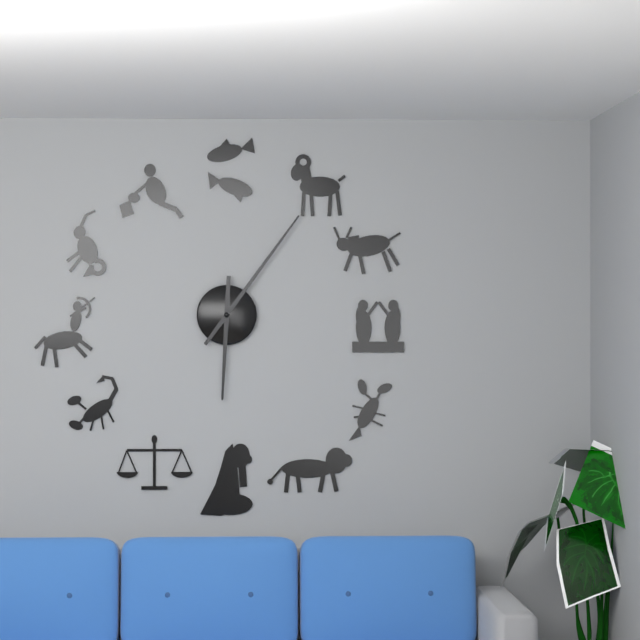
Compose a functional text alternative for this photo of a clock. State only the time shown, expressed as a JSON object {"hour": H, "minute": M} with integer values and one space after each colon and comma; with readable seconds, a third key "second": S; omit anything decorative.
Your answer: {"hour": 6, "minute": 6}
